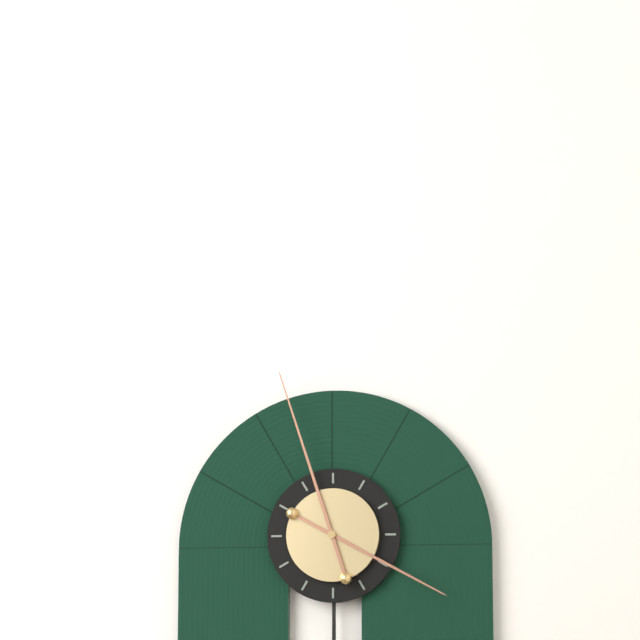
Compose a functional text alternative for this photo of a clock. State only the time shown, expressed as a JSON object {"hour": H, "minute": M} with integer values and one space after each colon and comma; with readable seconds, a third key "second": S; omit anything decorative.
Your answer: {"hour": 3, "minute": 57}
